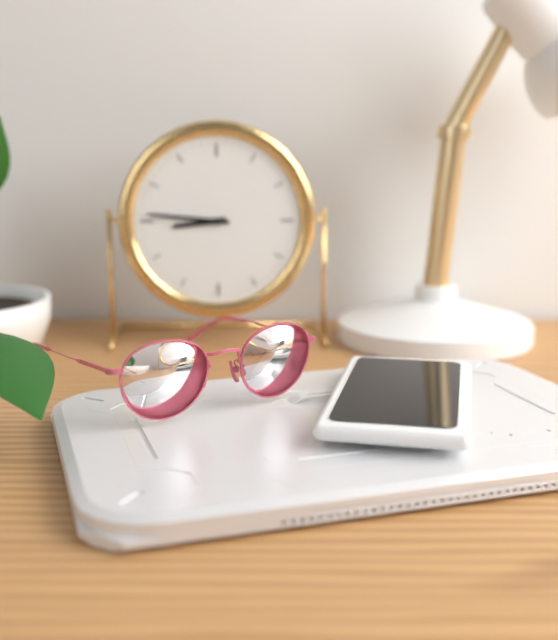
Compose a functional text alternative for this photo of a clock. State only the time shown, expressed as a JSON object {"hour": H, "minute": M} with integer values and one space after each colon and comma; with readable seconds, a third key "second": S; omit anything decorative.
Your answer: {"hour": 8, "minute": 46}
